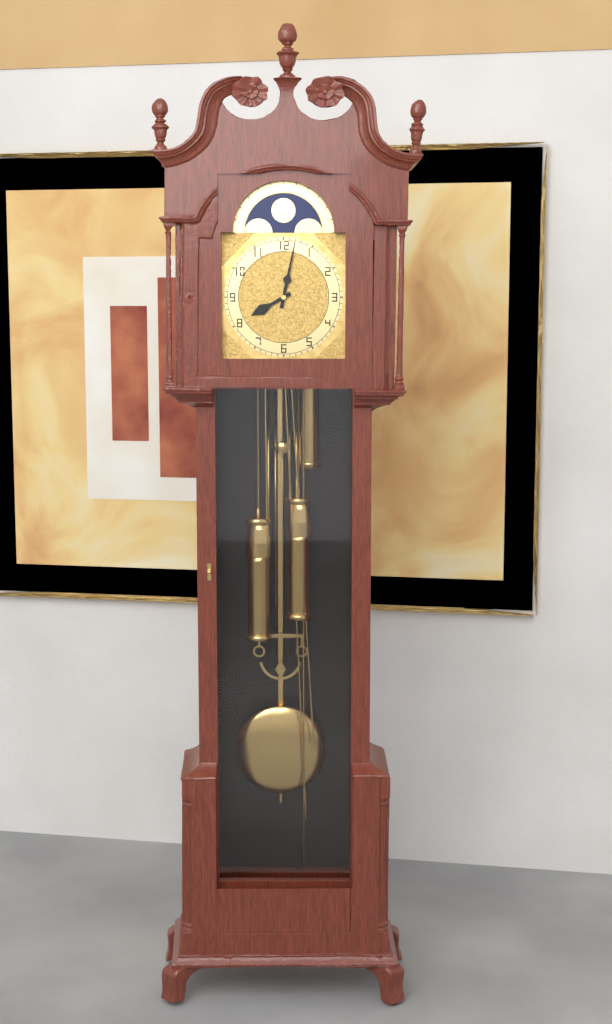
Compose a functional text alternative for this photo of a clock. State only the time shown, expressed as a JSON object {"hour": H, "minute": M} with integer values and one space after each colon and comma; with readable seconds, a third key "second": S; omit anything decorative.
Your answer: {"hour": 8, "minute": 2}
